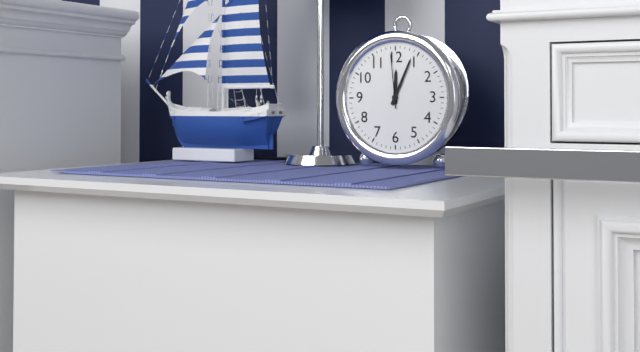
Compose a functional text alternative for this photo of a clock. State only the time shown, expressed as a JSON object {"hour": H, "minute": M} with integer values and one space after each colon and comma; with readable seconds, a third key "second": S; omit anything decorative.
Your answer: {"hour": 12, "minute": 4, "second": 59}
